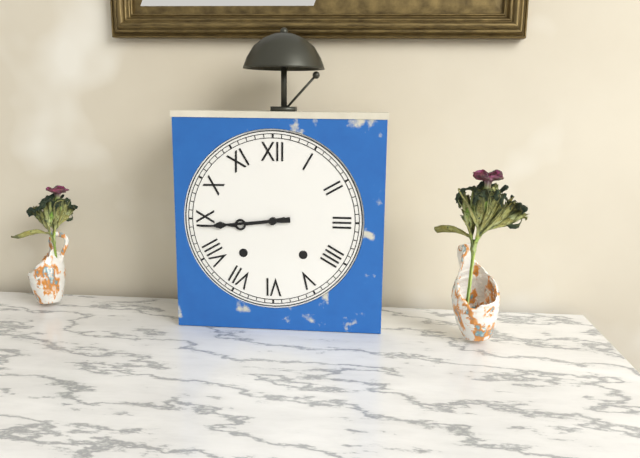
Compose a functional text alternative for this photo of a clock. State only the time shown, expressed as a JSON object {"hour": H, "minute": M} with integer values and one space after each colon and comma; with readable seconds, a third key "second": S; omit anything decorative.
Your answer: {"hour": 8, "minute": 44}
